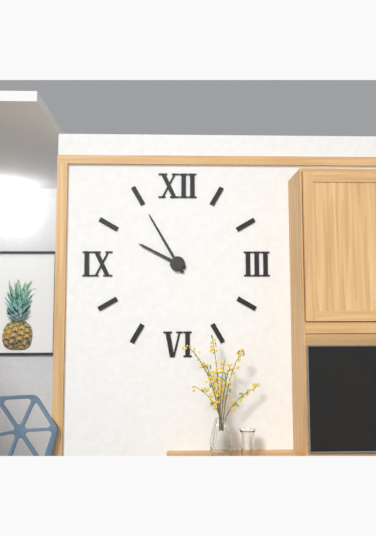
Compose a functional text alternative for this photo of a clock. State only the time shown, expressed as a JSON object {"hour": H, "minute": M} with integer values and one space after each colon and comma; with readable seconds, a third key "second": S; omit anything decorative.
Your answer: {"hour": 9, "minute": 55}
